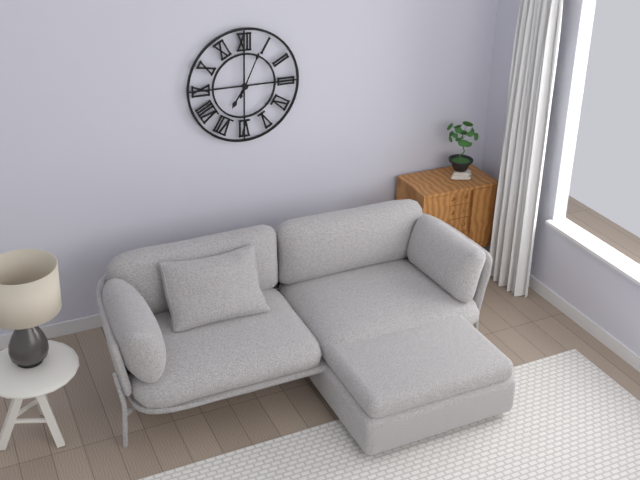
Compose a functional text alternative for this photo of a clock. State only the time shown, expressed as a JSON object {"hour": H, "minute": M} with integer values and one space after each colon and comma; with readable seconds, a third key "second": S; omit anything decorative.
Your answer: {"hour": 7, "minute": 4}
